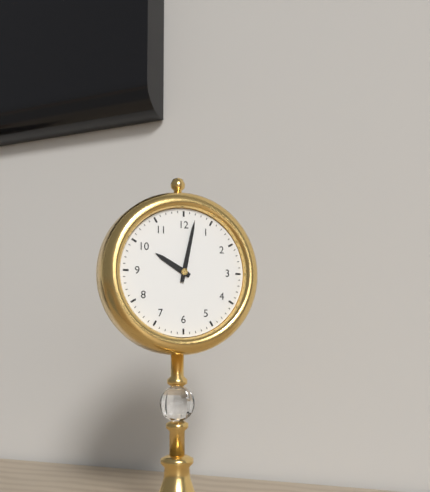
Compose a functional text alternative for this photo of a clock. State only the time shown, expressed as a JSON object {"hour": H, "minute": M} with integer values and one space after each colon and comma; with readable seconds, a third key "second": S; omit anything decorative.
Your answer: {"hour": 10, "minute": 2}
